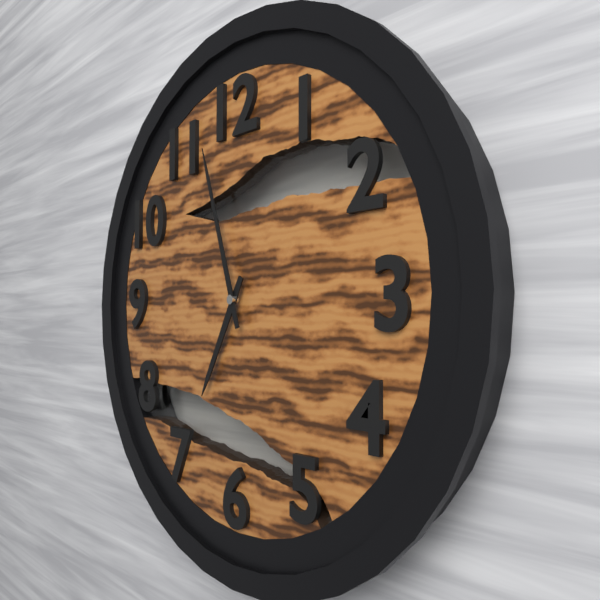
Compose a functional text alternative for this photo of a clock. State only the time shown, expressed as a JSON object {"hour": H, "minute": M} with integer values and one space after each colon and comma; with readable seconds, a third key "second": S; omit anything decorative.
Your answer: {"hour": 6, "minute": 57}
